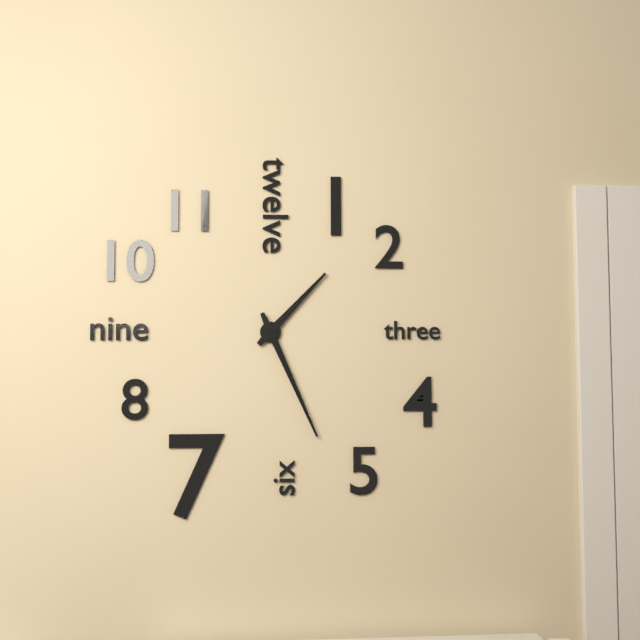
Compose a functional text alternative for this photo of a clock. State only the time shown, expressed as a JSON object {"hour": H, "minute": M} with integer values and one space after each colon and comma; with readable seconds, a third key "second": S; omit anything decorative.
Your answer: {"hour": 1, "minute": 26}
